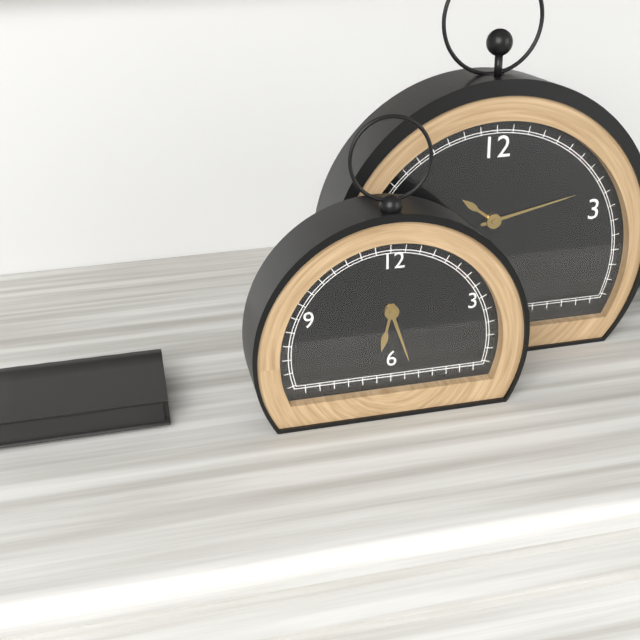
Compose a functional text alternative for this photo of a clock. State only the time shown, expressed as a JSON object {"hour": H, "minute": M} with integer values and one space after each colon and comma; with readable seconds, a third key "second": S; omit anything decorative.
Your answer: {"hour": 6, "minute": 27}
